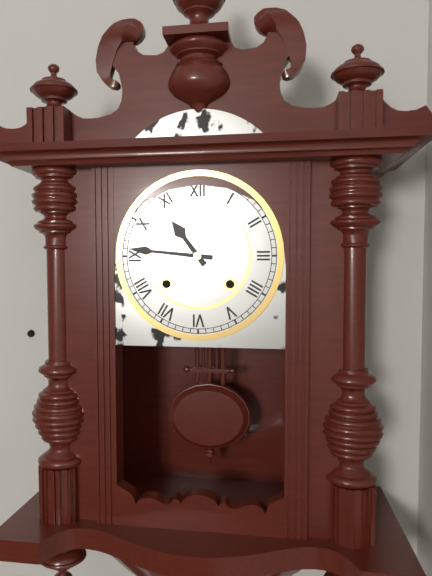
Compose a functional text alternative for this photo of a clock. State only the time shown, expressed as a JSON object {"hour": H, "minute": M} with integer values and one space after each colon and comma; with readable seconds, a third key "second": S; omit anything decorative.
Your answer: {"hour": 10, "minute": 46}
